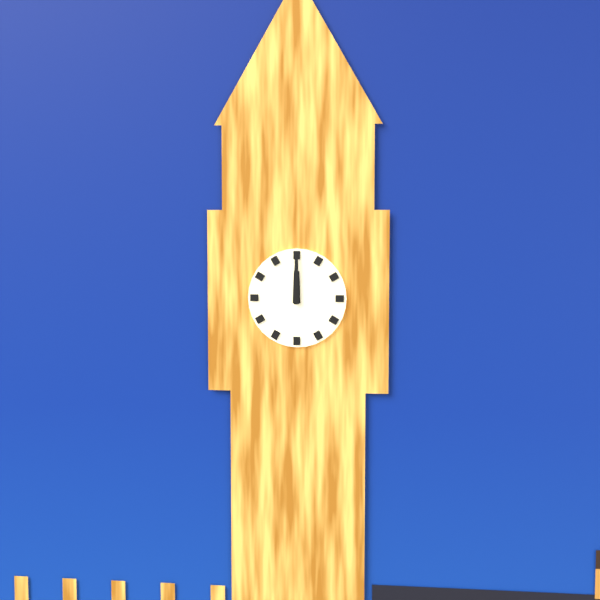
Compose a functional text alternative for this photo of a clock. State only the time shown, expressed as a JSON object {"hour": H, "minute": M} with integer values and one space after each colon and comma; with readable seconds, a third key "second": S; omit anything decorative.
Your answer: {"hour": 12, "minute": 0}
